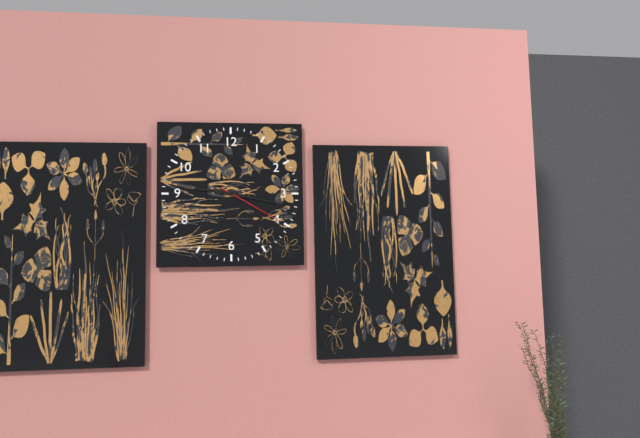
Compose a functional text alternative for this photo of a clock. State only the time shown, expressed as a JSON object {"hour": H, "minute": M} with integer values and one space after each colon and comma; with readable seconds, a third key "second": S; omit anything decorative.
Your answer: {"hour": 9, "minute": 17, "second": 20}
